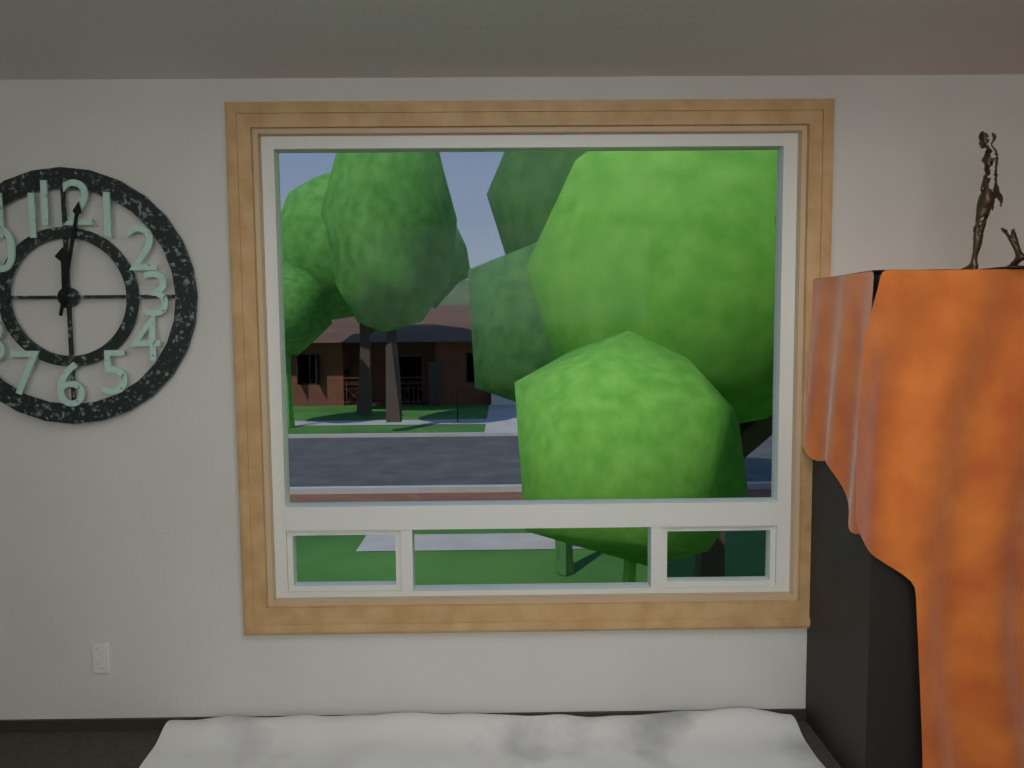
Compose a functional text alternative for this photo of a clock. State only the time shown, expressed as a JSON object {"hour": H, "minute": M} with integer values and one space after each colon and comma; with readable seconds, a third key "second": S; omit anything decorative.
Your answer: {"hour": 12, "minute": 2}
